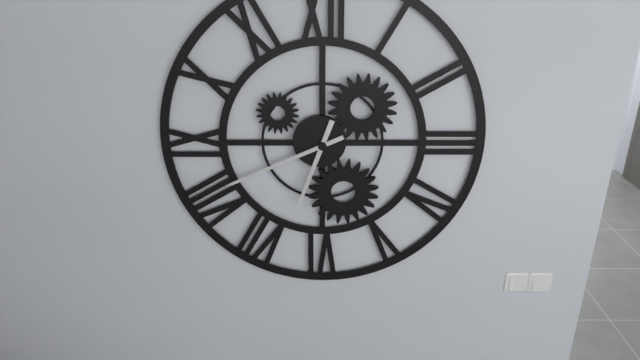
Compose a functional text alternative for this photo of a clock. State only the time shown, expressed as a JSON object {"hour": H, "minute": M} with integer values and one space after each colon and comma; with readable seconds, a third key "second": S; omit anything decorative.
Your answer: {"hour": 6, "minute": 41}
